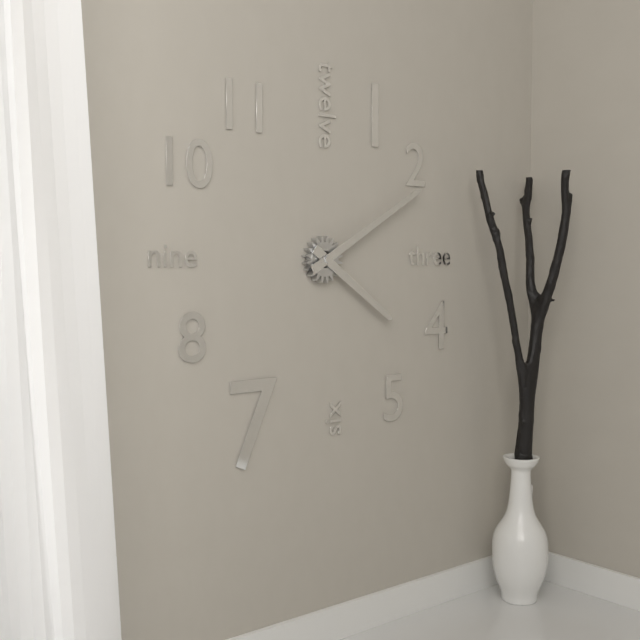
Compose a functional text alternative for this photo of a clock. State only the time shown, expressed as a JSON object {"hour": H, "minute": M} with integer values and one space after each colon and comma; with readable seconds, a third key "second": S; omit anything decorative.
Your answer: {"hour": 4, "minute": 10}
